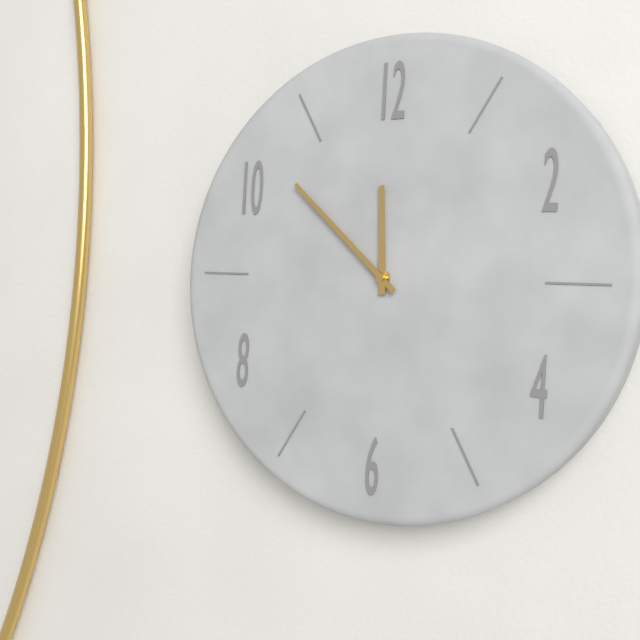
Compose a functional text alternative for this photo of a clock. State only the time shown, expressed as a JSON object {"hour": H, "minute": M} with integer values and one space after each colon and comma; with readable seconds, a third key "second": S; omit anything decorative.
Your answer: {"hour": 11, "minute": 52}
